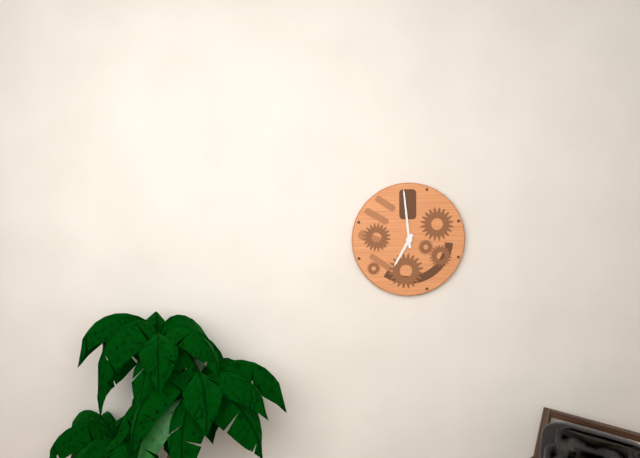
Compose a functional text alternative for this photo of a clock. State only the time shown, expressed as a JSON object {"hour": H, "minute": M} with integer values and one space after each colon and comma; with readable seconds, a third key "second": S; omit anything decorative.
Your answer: {"hour": 6, "minute": 59}
